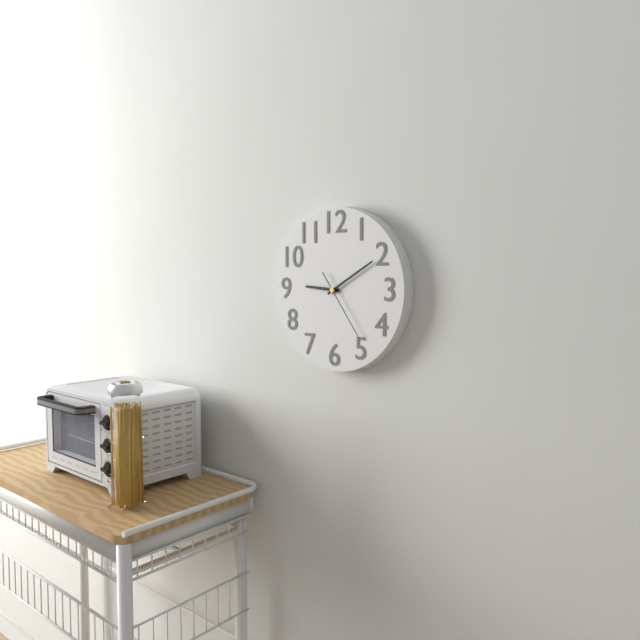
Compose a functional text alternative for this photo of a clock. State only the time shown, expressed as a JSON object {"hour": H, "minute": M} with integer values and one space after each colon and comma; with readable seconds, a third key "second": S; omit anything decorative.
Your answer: {"hour": 9, "minute": 10, "second": 24}
